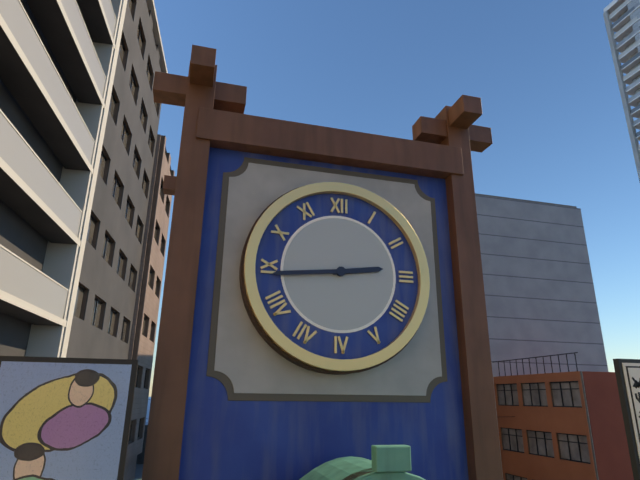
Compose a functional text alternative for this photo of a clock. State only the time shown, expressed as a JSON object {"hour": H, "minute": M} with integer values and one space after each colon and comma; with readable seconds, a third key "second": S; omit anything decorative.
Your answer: {"hour": 2, "minute": 44}
